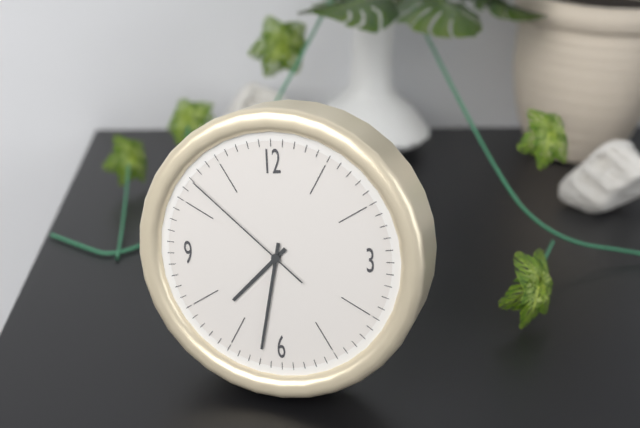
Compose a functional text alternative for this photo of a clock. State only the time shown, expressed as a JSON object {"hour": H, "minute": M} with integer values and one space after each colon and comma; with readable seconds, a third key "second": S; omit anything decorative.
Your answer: {"hour": 7, "minute": 32, "second": 52}
